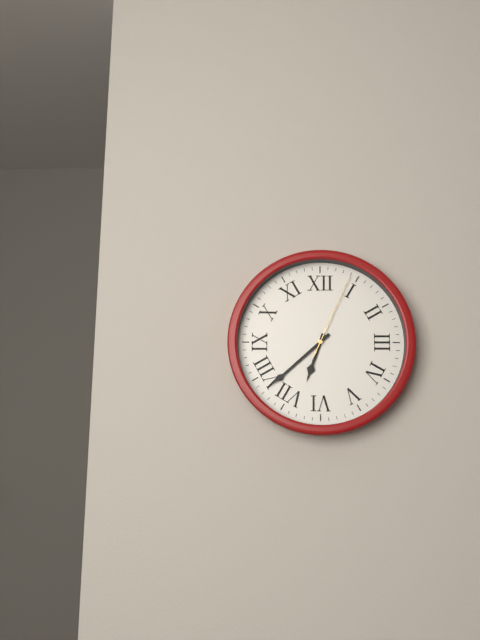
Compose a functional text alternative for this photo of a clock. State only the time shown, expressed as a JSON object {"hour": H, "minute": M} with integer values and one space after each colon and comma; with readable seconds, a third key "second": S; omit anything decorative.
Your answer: {"hour": 6, "minute": 38, "second": 4}
